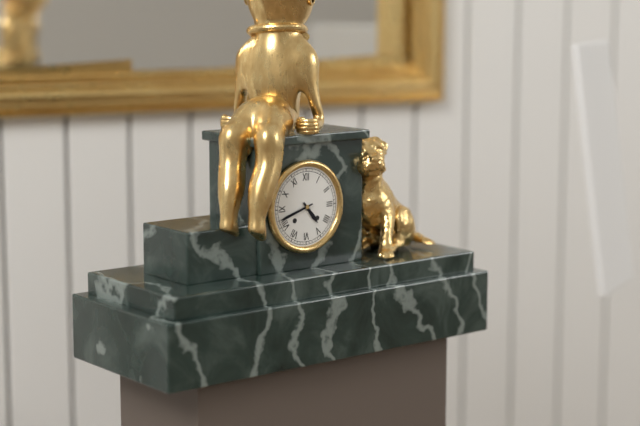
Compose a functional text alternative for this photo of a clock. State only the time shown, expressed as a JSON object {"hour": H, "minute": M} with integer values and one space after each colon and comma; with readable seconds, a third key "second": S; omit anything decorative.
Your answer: {"hour": 4, "minute": 42}
